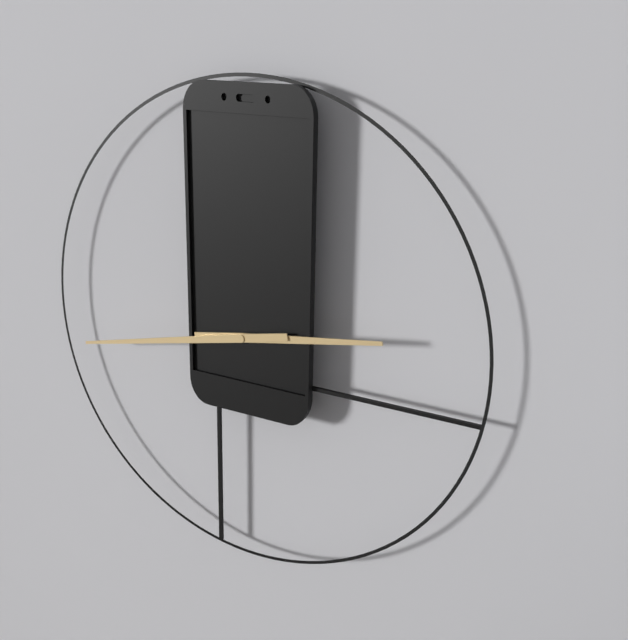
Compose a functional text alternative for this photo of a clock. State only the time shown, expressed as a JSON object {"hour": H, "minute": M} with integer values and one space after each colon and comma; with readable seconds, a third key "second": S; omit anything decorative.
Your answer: {"hour": 2, "minute": 43}
